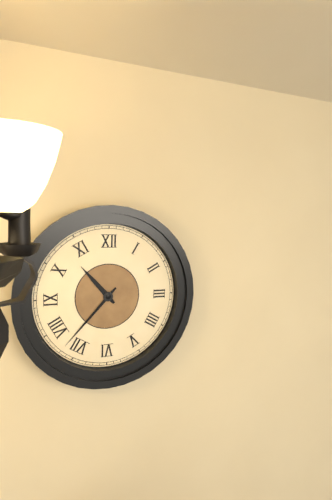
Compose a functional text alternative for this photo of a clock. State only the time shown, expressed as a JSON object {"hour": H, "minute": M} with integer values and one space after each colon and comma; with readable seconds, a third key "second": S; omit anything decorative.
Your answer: {"hour": 10, "minute": 37}
